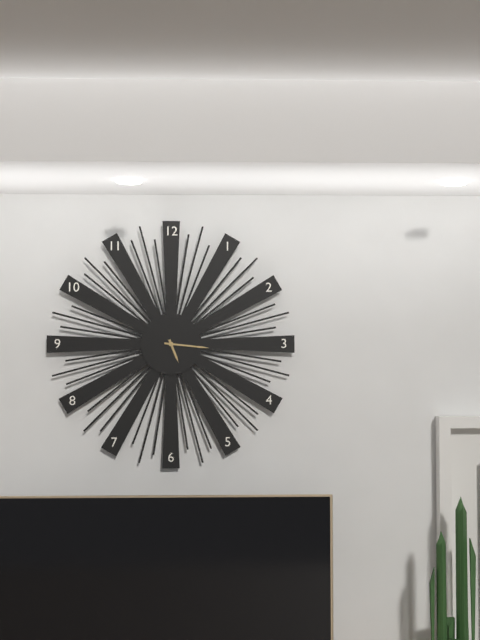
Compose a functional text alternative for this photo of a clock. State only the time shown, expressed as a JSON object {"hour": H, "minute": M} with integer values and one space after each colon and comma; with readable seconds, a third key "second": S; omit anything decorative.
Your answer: {"hour": 5, "minute": 16}
